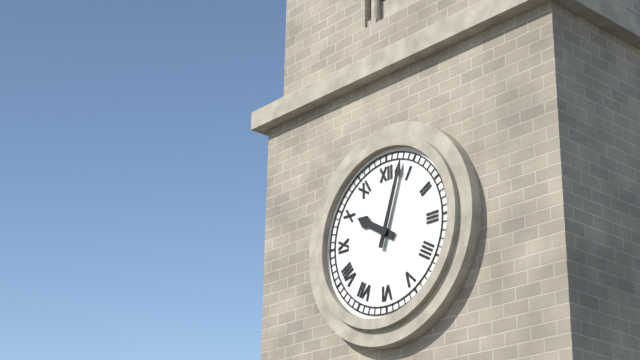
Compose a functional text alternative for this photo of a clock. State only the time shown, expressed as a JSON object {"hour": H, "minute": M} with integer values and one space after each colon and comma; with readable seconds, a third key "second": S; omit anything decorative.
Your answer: {"hour": 10, "minute": 3}
